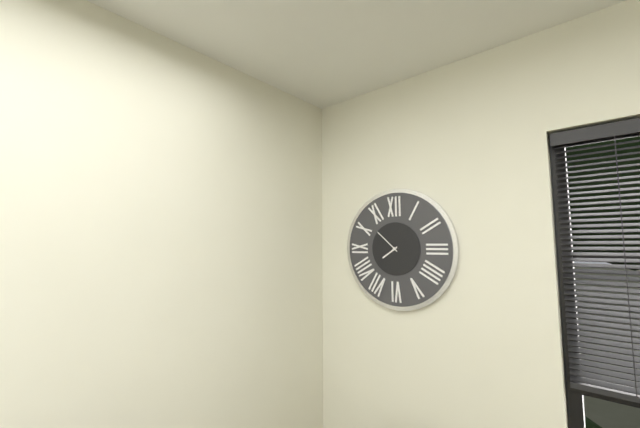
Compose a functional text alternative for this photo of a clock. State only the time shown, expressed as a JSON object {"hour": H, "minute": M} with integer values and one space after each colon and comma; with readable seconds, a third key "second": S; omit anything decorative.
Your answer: {"hour": 7, "minute": 52}
